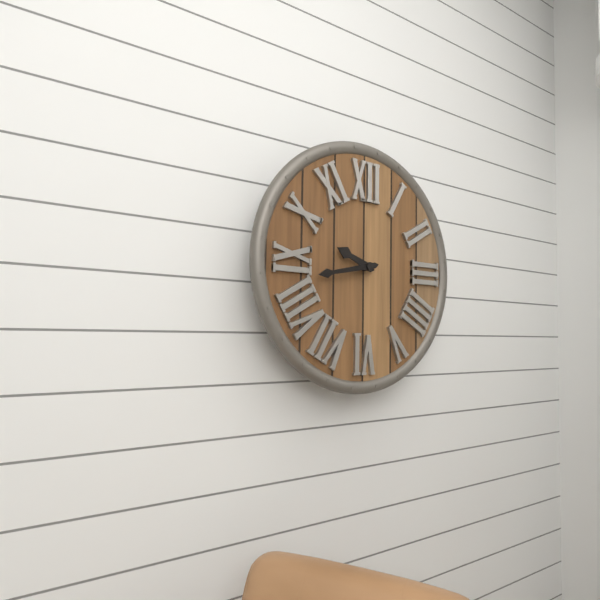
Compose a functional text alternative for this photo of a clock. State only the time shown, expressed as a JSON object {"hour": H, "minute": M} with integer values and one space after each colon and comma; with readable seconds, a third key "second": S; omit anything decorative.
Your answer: {"hour": 9, "minute": 43}
